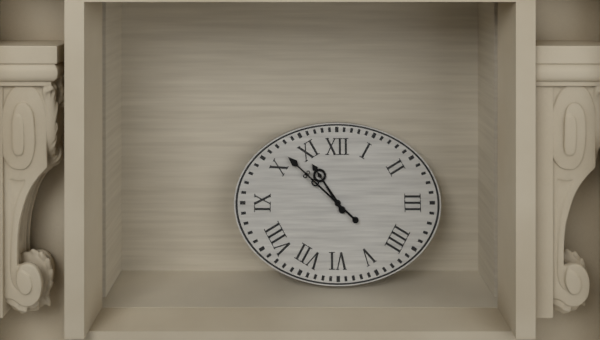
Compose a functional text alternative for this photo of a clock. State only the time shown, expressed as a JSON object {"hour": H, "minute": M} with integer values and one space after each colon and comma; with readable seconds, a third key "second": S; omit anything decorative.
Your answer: {"hour": 10, "minute": 52}
